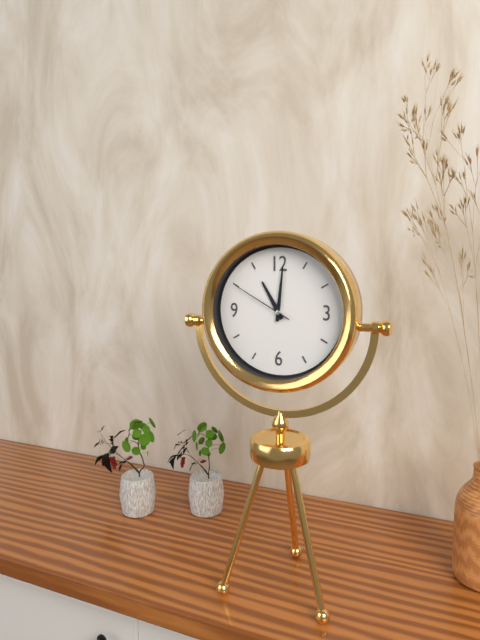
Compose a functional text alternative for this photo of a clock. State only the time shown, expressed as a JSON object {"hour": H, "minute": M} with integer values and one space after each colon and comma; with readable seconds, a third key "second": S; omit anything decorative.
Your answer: {"hour": 11, "minute": 1, "second": 50}
